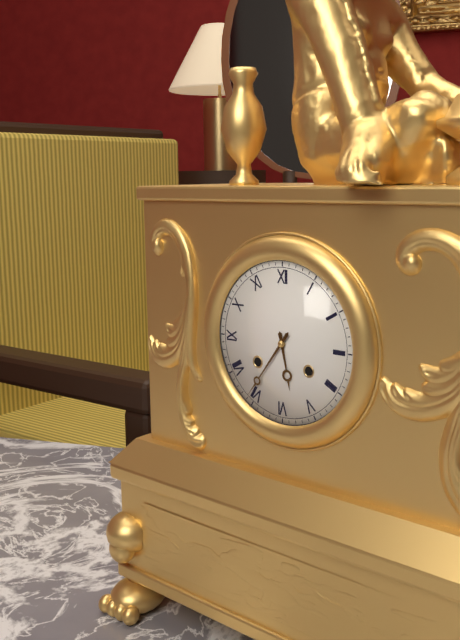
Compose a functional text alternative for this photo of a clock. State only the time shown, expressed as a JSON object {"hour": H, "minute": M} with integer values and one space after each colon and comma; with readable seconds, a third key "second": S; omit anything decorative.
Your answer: {"hour": 5, "minute": 36}
